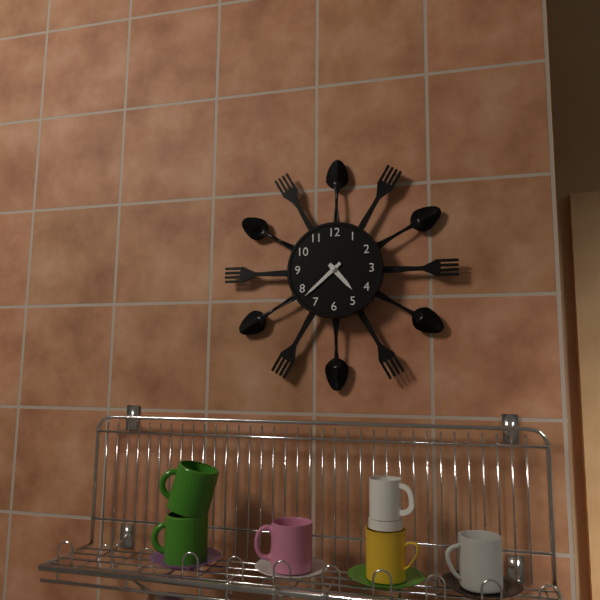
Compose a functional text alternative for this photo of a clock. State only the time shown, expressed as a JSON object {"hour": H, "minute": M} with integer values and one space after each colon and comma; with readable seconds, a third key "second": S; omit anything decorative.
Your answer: {"hour": 4, "minute": 38}
